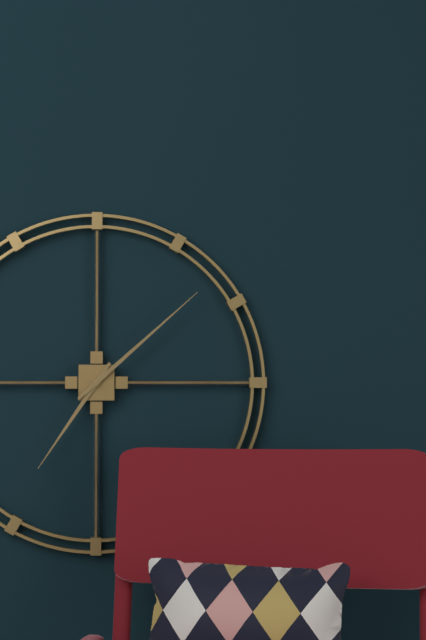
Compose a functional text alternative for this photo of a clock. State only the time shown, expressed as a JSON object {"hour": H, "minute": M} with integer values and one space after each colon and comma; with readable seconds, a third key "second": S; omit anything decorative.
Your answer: {"hour": 7, "minute": 8}
